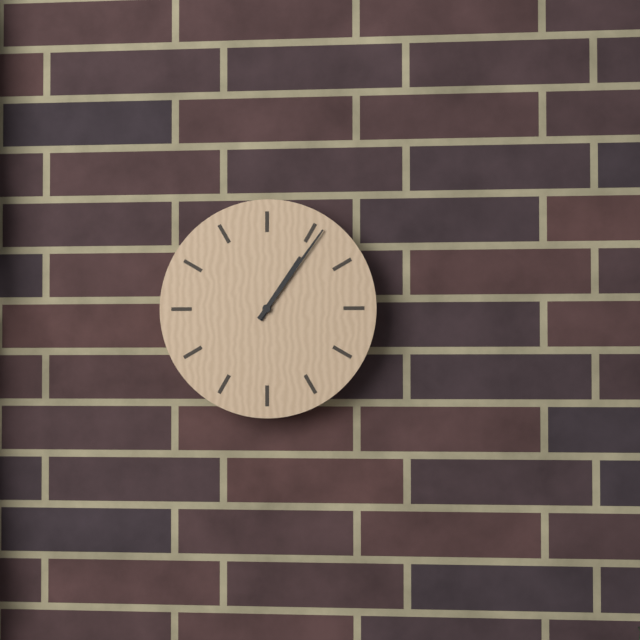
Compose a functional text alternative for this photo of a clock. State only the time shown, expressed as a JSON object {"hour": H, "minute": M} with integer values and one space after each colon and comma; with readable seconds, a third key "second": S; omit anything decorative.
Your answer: {"hour": 1, "minute": 6}
